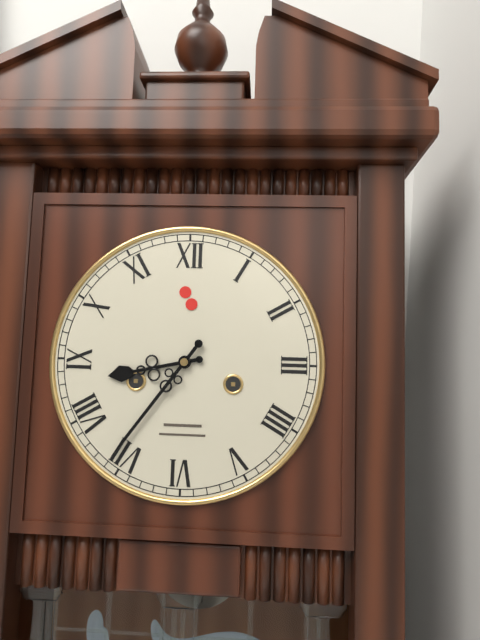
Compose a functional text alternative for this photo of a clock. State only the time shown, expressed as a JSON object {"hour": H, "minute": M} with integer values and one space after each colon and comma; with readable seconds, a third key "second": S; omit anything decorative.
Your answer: {"hour": 8, "minute": 36}
